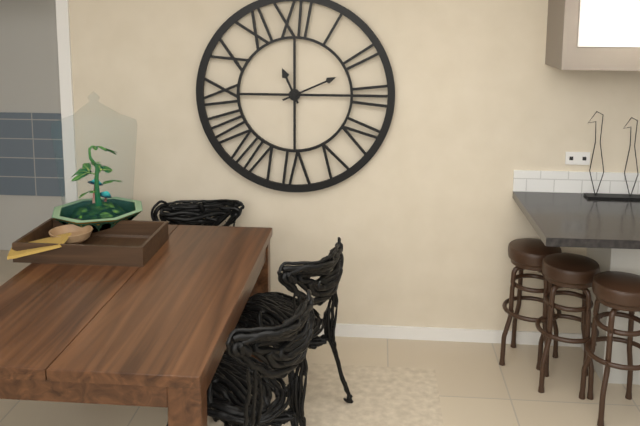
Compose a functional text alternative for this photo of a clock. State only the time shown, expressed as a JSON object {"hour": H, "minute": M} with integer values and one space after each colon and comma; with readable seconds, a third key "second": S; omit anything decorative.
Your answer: {"hour": 11, "minute": 11}
